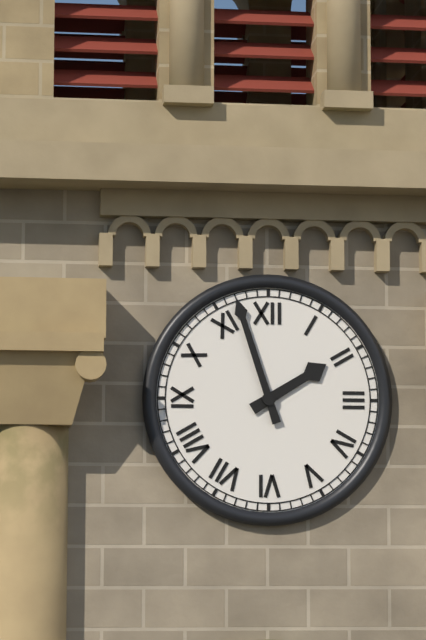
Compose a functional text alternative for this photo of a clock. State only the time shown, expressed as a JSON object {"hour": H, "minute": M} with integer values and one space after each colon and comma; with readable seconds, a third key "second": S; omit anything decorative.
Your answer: {"hour": 1, "minute": 57}
